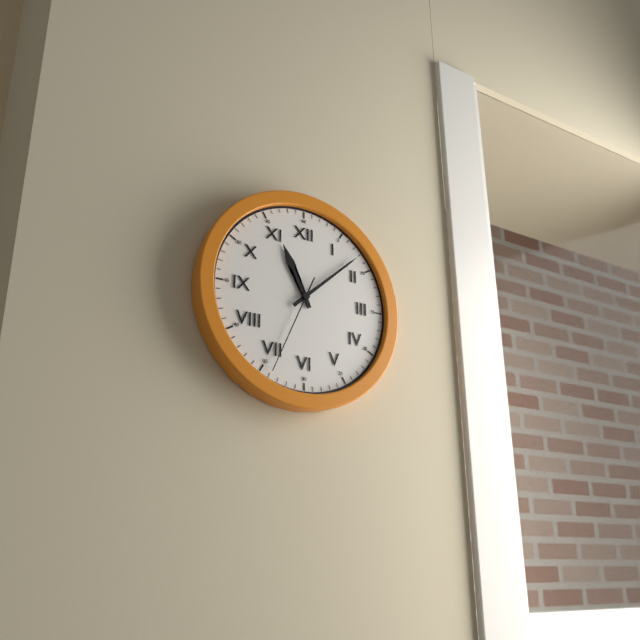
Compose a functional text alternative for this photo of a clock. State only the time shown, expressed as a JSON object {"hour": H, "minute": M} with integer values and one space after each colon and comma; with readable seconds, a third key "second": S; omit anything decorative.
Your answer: {"hour": 11, "minute": 8, "second": 34}
